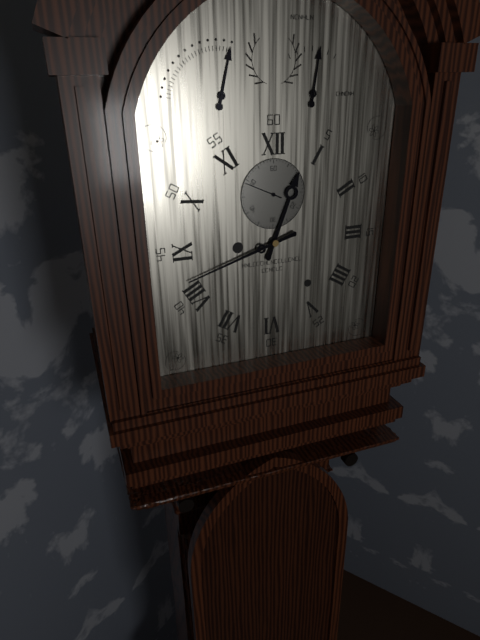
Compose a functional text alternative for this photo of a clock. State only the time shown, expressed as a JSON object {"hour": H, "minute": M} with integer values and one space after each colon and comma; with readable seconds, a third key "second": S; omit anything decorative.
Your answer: {"hour": 12, "minute": 42}
